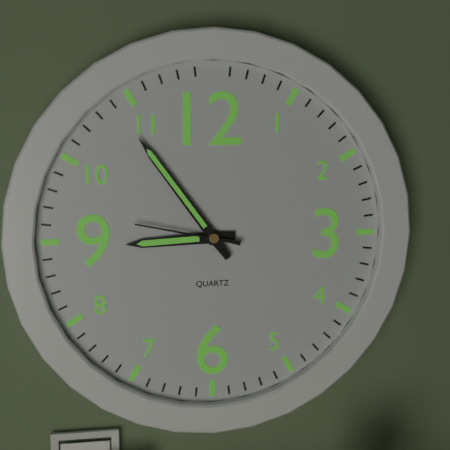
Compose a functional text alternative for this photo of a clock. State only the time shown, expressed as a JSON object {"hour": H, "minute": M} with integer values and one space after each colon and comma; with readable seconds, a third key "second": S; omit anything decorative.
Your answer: {"hour": 8, "minute": 54, "second": 47}
